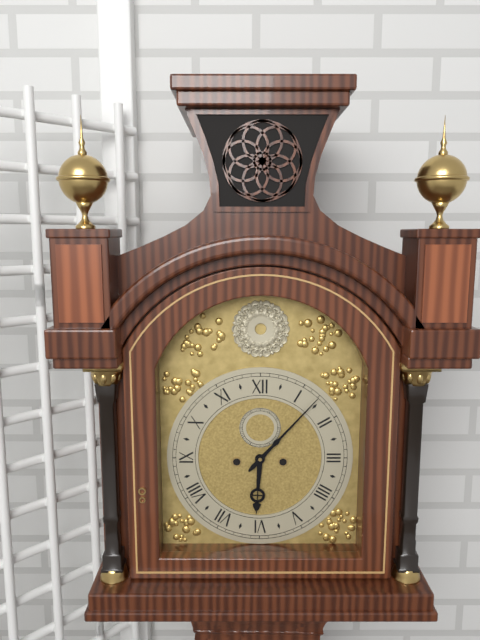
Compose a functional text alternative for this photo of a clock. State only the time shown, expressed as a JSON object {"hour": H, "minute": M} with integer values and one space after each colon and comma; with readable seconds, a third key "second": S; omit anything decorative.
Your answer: {"hour": 6, "minute": 7}
